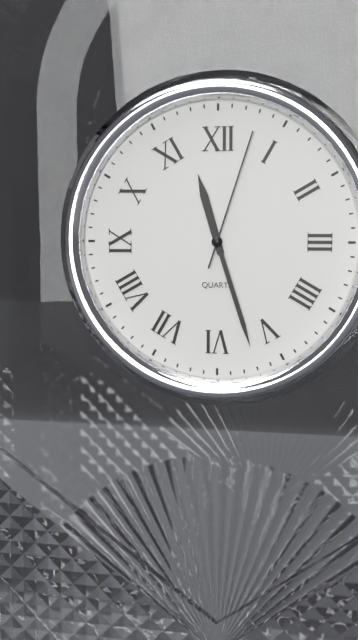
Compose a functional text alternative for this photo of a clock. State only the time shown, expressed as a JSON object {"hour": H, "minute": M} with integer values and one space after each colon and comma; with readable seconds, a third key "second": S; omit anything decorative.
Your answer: {"hour": 11, "minute": 27, "second": 3}
